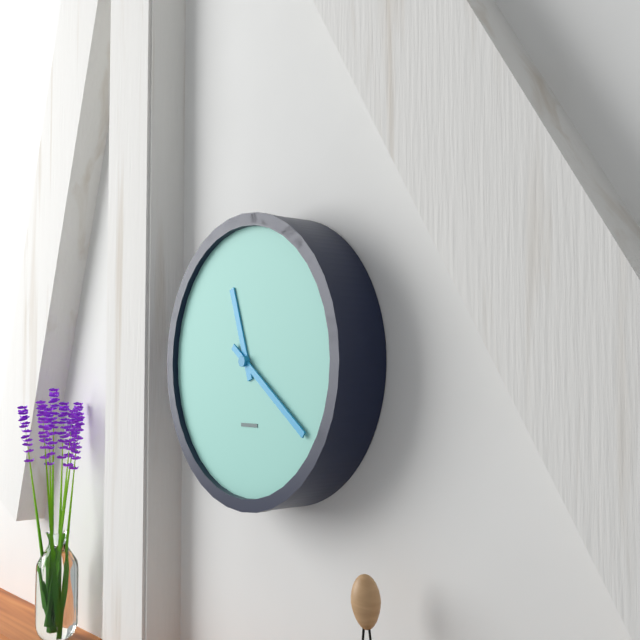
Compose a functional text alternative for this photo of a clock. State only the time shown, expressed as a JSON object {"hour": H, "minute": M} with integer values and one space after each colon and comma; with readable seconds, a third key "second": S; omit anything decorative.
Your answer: {"hour": 11, "minute": 21}
